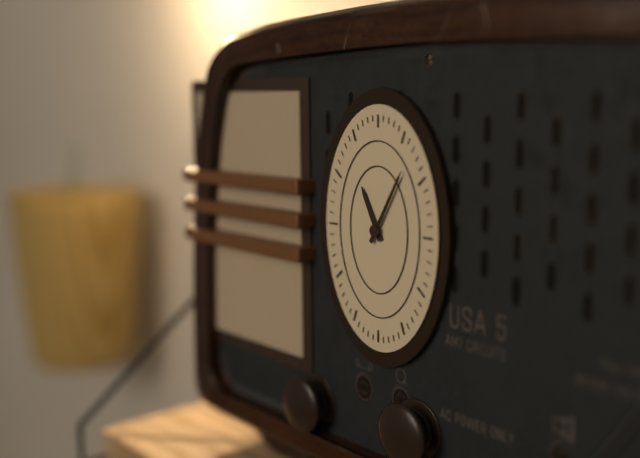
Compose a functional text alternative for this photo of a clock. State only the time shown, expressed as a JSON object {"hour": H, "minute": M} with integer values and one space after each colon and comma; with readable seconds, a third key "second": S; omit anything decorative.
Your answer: {"hour": 11, "minute": 5}
